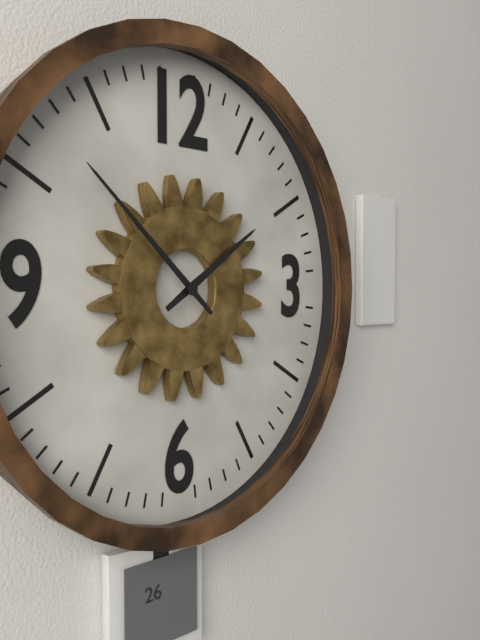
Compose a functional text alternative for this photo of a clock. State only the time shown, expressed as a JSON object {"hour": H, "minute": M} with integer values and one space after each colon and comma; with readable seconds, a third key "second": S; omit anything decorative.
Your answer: {"hour": 1, "minute": 52}
